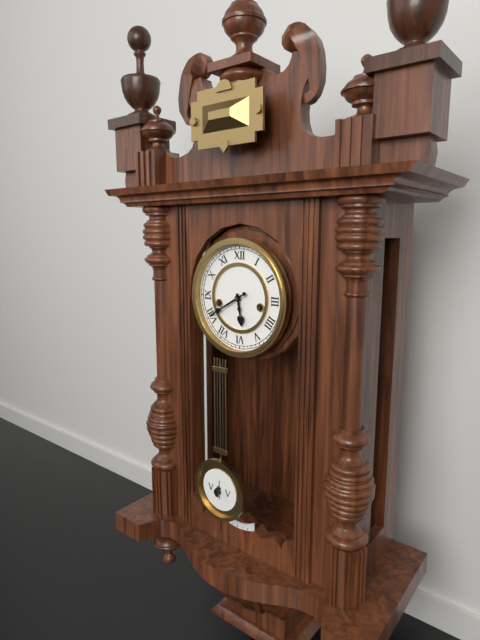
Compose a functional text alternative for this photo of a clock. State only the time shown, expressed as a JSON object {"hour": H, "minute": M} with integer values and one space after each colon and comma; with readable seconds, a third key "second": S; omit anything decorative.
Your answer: {"hour": 5, "minute": 40}
